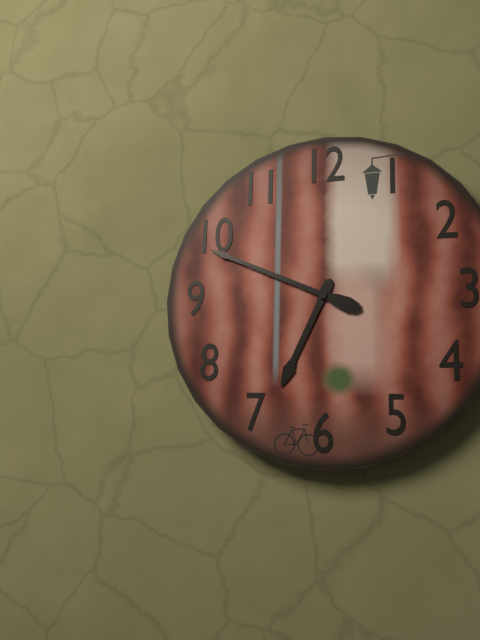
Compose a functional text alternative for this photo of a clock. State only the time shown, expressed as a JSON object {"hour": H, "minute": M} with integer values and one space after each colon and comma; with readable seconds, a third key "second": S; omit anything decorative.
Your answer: {"hour": 6, "minute": 49}
